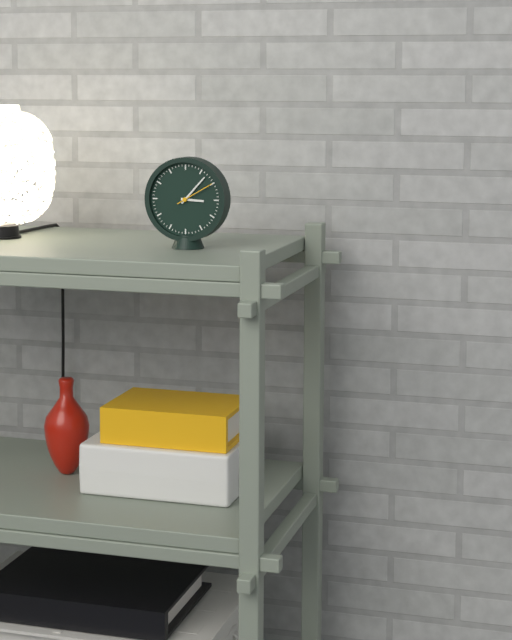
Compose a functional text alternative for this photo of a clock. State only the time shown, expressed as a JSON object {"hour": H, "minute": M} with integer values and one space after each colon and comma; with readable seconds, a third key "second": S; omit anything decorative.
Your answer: {"hour": 3, "minute": 7}
